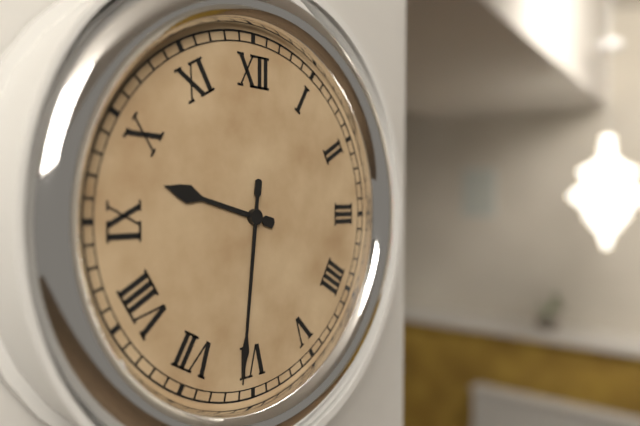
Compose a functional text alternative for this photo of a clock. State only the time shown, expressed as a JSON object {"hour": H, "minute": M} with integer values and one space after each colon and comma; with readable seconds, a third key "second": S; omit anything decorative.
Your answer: {"hour": 9, "minute": 31}
